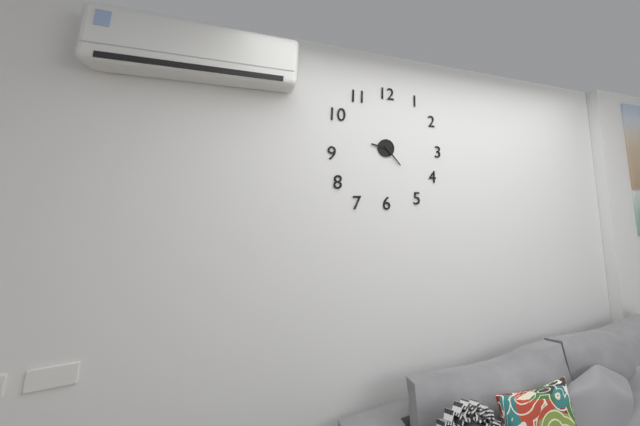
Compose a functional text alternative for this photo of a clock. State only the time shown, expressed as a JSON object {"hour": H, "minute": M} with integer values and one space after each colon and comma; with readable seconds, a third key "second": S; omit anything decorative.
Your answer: {"hour": 9, "minute": 23}
